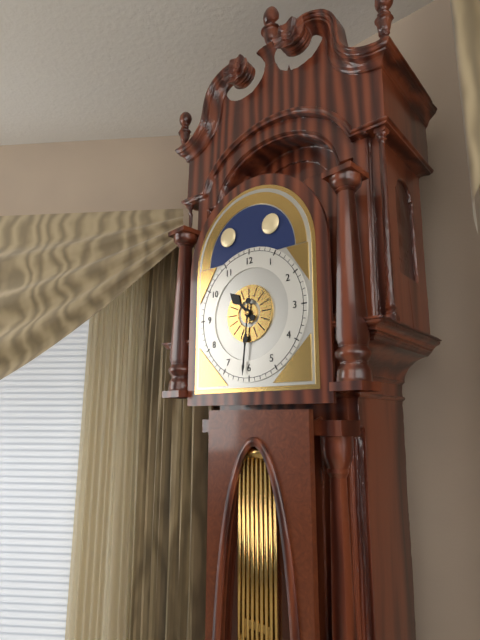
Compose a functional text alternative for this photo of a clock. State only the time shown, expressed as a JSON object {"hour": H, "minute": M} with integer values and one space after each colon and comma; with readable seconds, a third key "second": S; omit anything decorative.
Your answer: {"hour": 10, "minute": 31}
